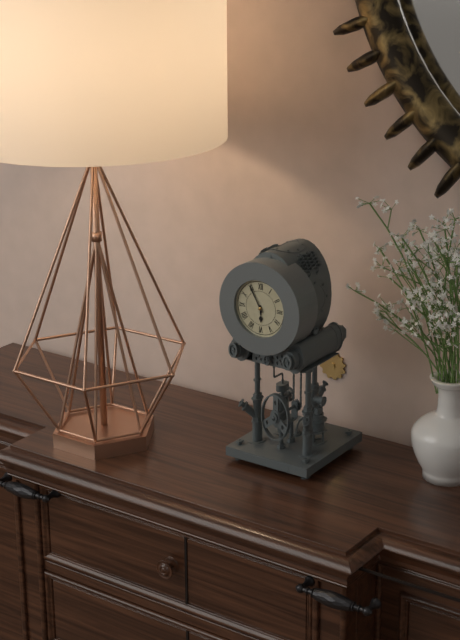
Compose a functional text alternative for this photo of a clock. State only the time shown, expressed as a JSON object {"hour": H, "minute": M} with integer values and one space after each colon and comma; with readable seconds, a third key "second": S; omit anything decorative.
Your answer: {"hour": 5, "minute": 55}
